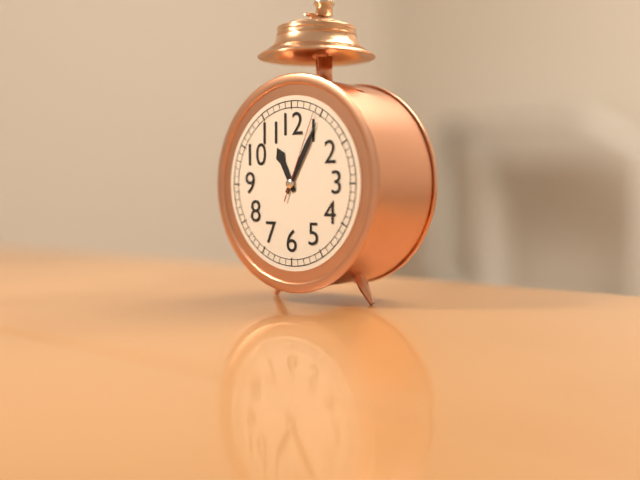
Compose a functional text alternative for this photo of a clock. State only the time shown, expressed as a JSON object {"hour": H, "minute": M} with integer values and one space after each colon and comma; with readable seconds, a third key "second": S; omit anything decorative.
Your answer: {"hour": 11, "minute": 5, "second": 4}
